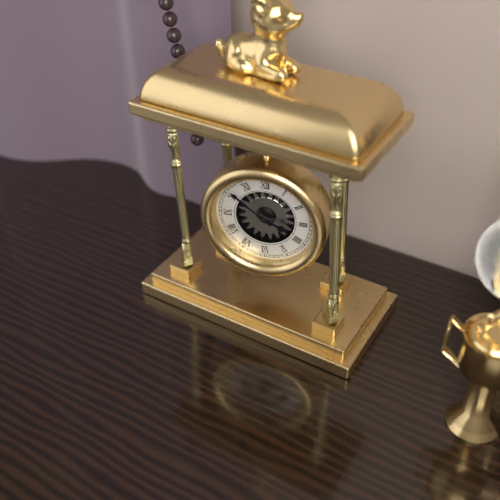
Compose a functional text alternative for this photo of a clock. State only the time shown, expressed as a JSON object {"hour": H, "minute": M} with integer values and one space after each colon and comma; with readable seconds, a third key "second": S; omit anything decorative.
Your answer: {"hour": 3, "minute": 51}
